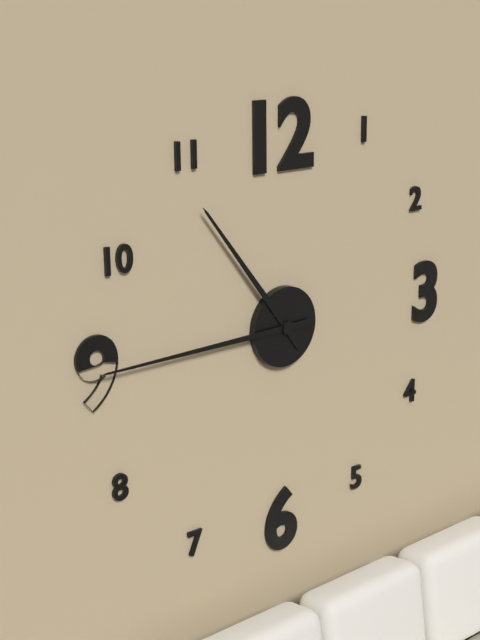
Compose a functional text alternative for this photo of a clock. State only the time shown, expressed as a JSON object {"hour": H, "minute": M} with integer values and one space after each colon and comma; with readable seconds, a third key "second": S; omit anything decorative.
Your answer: {"hour": 10, "minute": 45}
